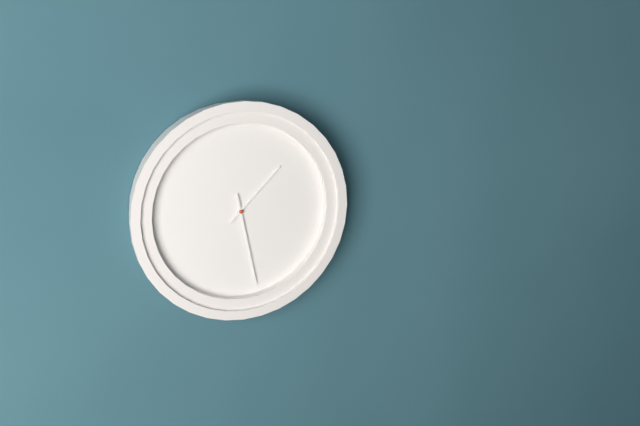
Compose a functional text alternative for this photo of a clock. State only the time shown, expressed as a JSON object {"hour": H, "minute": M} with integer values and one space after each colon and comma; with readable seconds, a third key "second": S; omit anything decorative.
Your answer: {"hour": 1, "minute": 28}
